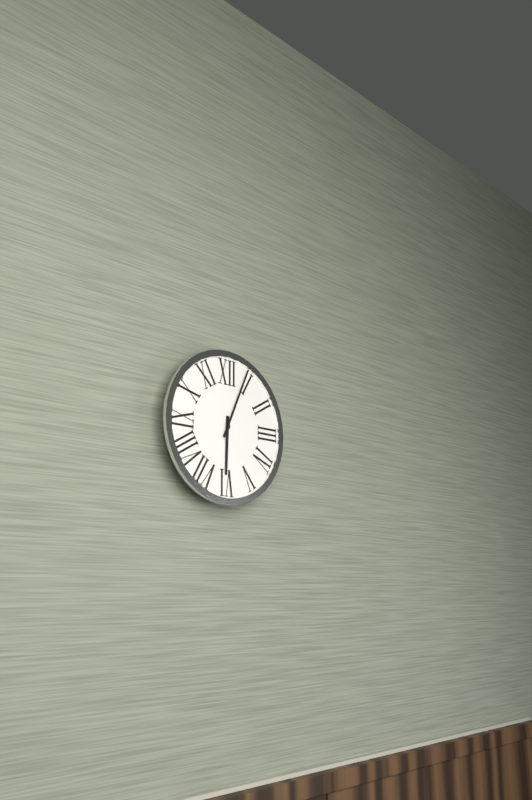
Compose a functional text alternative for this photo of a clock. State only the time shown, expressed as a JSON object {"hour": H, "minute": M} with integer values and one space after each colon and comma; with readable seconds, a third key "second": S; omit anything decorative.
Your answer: {"hour": 6, "minute": 4}
